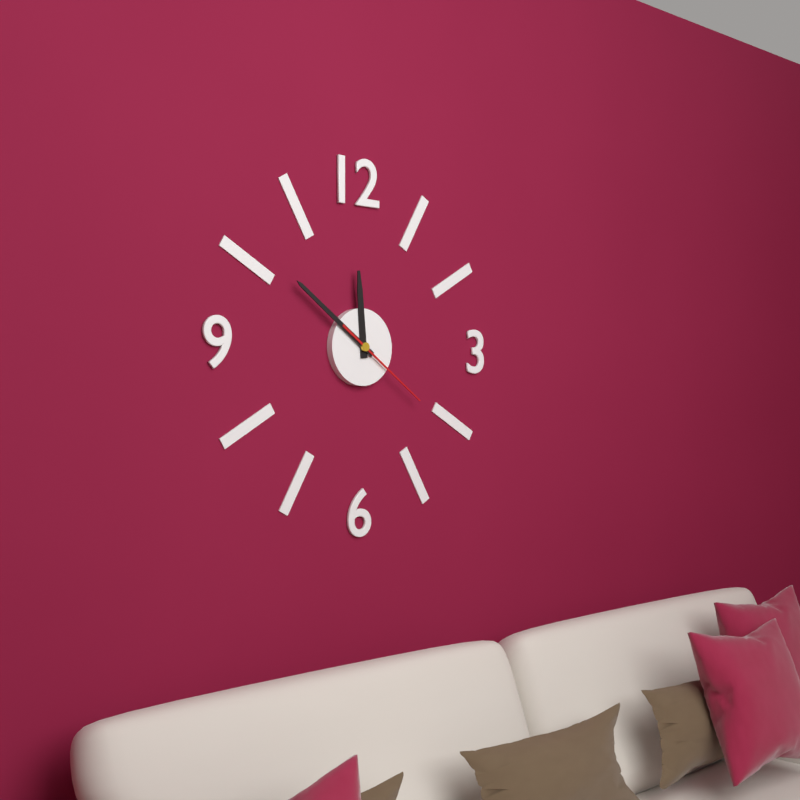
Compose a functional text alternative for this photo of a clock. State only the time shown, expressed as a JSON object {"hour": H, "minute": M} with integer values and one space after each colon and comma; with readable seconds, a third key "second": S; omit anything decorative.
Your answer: {"hour": 11, "minute": 51, "second": 21}
